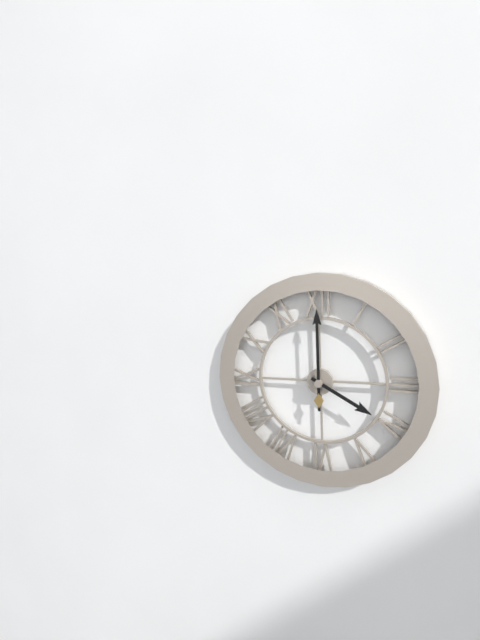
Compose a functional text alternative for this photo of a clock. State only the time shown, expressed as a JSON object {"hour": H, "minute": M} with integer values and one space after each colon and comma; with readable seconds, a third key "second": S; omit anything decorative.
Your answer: {"hour": 4, "minute": 0}
